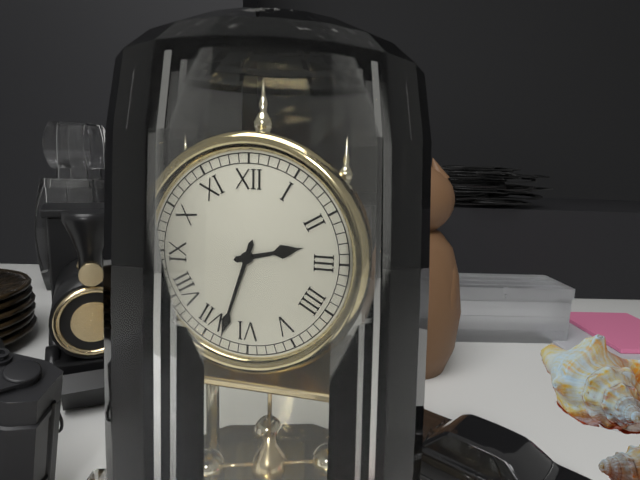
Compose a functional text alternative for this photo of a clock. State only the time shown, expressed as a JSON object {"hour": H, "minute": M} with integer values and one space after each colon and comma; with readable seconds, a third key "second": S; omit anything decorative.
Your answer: {"hour": 2, "minute": 33}
